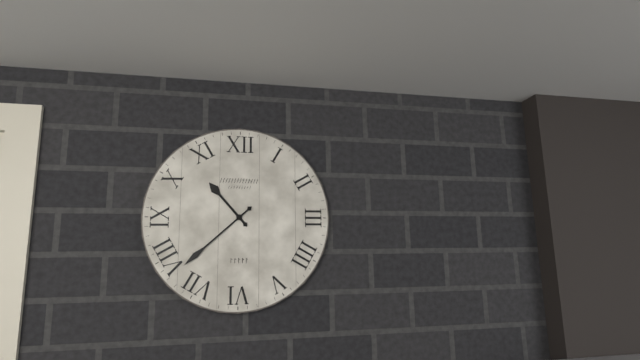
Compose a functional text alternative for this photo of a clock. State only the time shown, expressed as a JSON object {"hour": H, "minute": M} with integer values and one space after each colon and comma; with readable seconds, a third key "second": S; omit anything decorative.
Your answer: {"hour": 10, "minute": 38}
